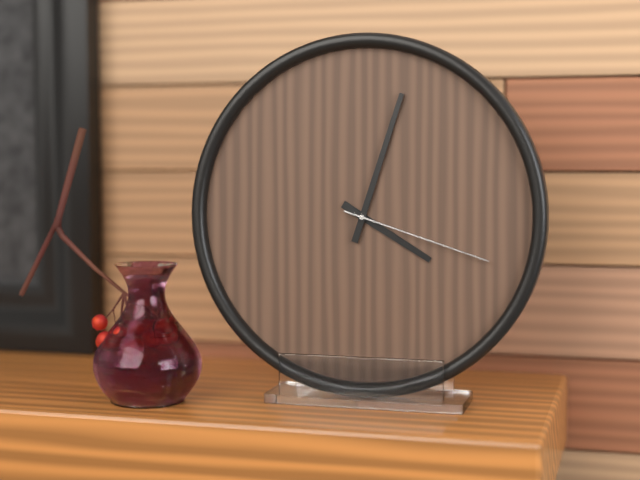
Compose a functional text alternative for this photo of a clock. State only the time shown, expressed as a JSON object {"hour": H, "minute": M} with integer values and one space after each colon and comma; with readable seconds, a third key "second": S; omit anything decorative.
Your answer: {"hour": 4, "minute": 3, "second": 18}
